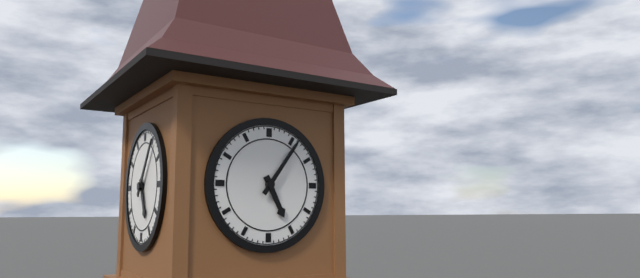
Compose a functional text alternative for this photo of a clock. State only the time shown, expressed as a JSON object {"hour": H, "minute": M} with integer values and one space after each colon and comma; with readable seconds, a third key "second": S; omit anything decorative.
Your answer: {"hour": 5, "minute": 6}
